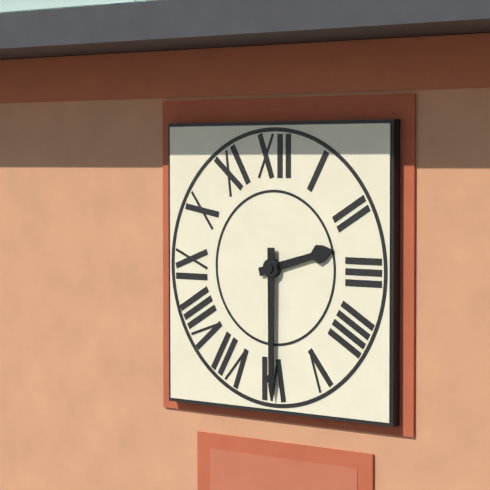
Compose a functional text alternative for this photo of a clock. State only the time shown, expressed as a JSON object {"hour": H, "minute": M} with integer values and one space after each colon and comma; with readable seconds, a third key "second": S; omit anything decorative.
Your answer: {"hour": 2, "minute": 30}
